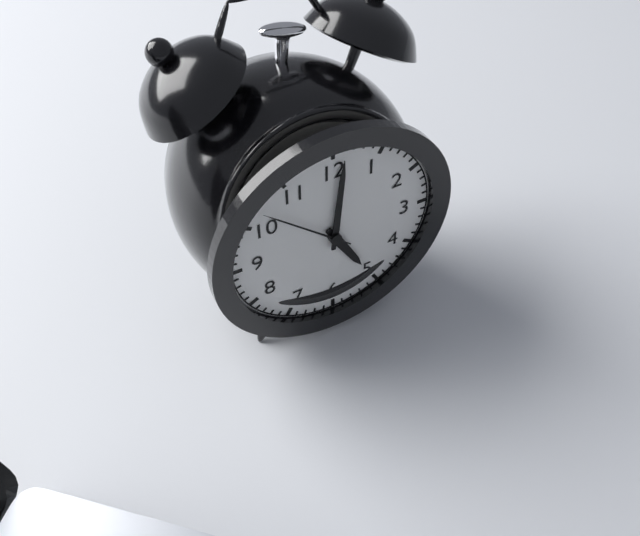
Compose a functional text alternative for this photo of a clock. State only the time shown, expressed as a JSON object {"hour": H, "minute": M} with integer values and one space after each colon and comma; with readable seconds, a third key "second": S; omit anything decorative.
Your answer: {"hour": 5, "minute": 1, "second": 52}
